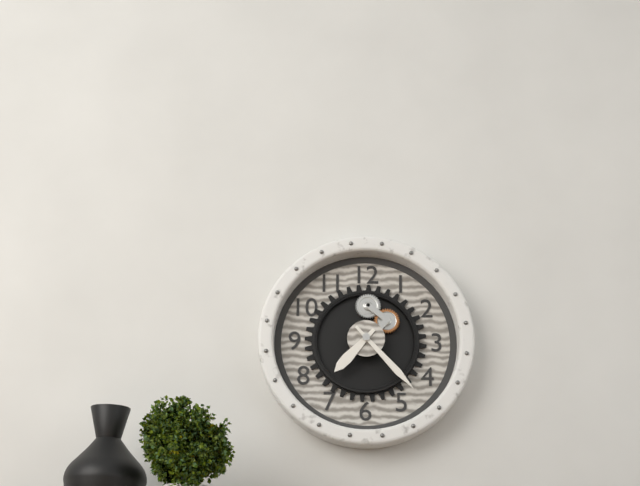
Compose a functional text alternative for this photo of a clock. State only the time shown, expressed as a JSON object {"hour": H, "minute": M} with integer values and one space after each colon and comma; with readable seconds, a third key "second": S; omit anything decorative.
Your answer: {"hour": 7, "minute": 23}
